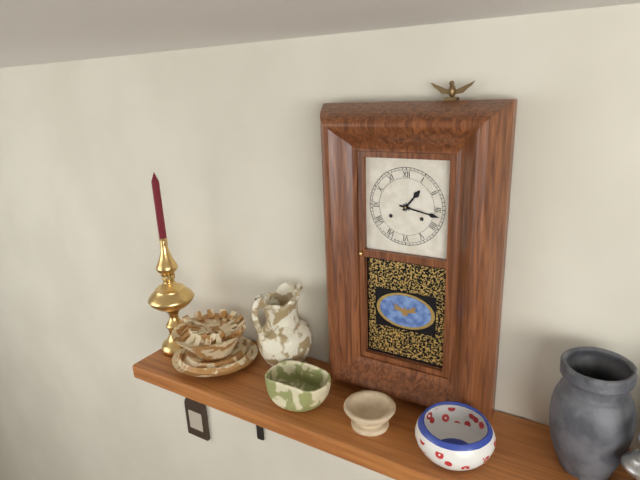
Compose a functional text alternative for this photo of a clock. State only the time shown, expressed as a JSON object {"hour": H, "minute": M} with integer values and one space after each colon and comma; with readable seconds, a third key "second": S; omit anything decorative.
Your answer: {"hour": 1, "minute": 17}
